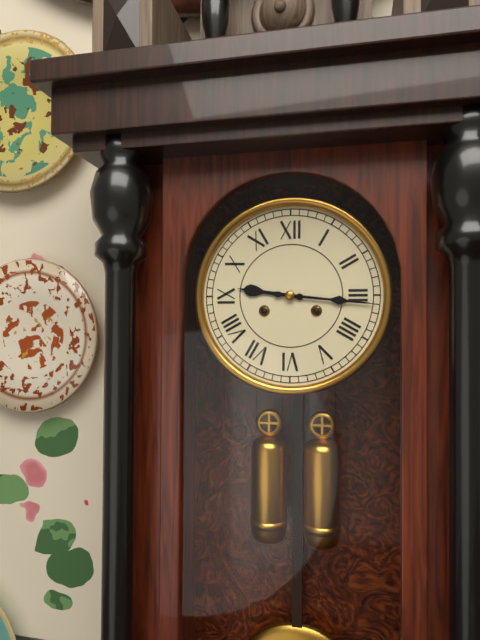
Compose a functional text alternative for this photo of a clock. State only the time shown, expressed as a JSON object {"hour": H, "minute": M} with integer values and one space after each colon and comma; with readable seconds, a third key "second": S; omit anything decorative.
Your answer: {"hour": 9, "minute": 16}
